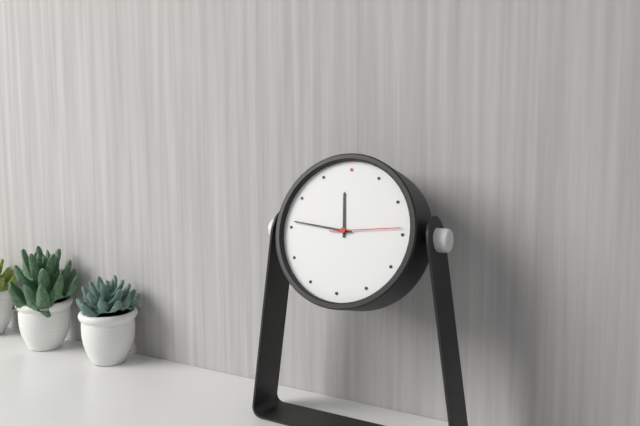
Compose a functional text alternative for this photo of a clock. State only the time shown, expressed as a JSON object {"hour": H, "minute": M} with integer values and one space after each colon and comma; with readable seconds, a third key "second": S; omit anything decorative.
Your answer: {"hour": 11, "minute": 46, "second": 14}
